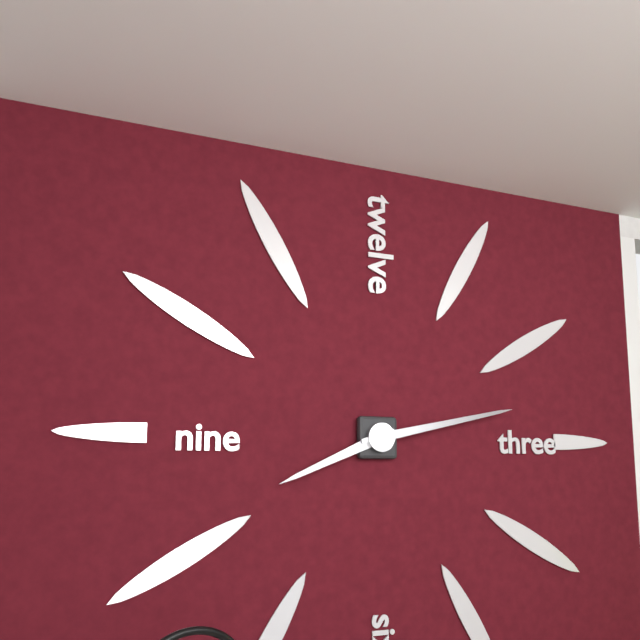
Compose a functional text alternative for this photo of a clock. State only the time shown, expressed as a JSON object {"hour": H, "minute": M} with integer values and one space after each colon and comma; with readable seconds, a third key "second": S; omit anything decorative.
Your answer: {"hour": 8, "minute": 13}
